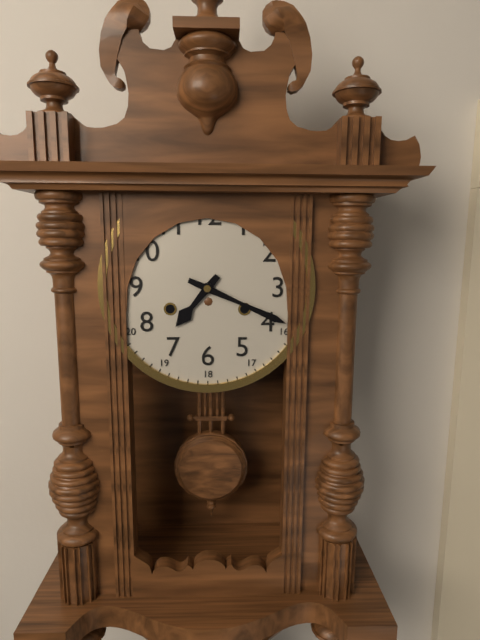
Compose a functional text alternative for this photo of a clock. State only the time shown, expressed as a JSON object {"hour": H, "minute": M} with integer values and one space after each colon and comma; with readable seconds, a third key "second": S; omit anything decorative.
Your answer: {"hour": 7, "minute": 19}
